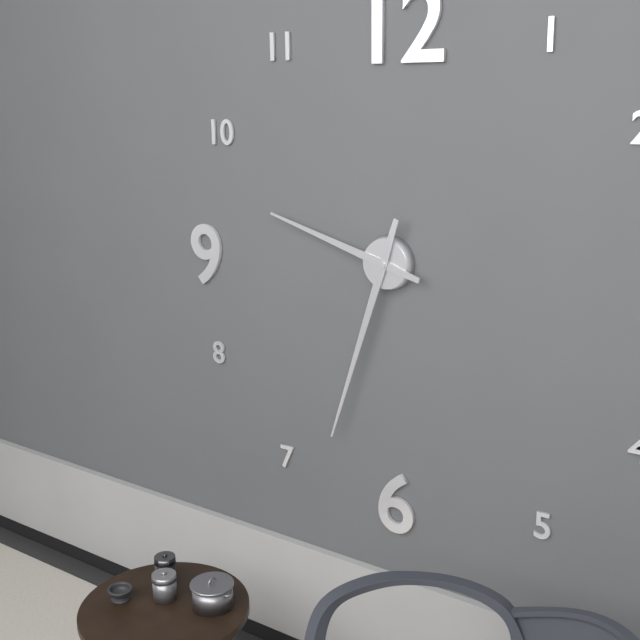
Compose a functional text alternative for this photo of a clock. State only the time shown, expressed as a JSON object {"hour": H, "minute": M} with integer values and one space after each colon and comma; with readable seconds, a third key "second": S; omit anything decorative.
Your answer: {"hour": 9, "minute": 33}
